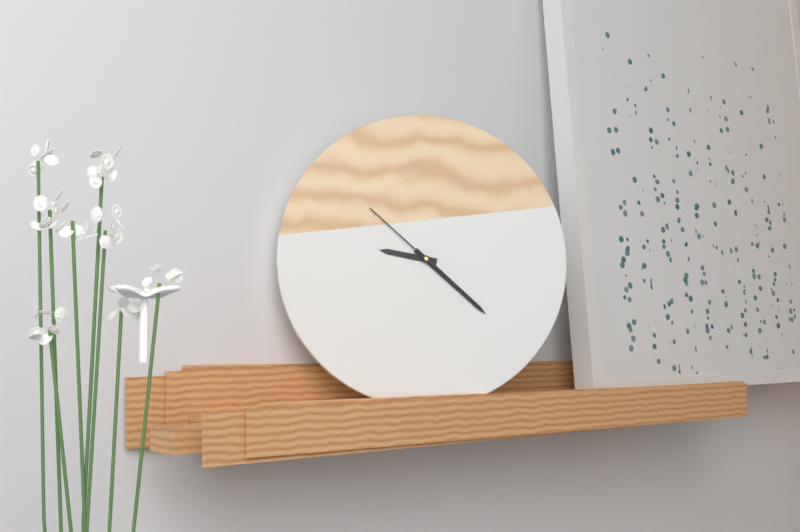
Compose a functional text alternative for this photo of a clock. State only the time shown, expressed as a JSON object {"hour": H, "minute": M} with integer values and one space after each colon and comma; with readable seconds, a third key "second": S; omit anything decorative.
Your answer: {"hour": 9, "minute": 22, "second": 52}
